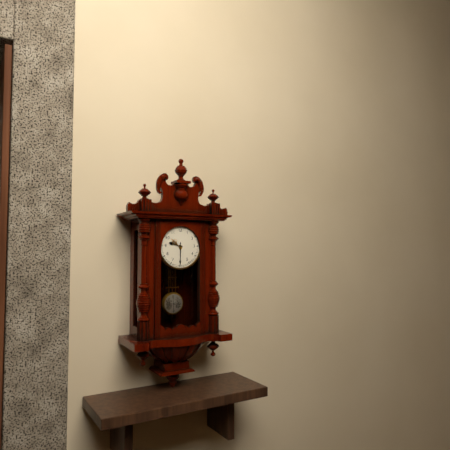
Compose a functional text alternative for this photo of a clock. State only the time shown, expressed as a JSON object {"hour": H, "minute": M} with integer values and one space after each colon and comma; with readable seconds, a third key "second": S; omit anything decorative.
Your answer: {"hour": 9, "minute": 30}
